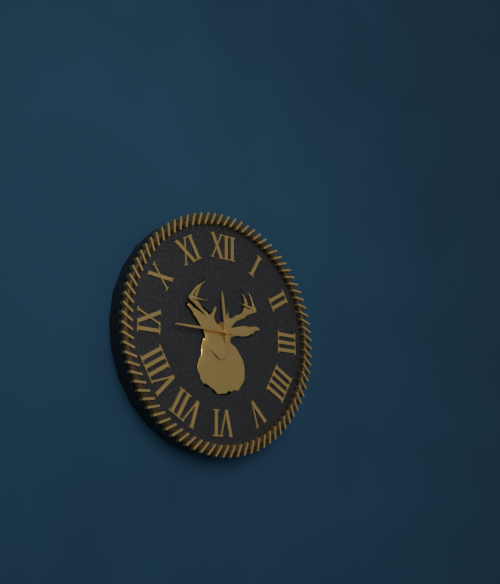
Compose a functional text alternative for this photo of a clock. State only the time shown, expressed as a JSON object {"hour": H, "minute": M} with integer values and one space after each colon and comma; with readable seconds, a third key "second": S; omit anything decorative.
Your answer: {"hour": 11, "minute": 45}
